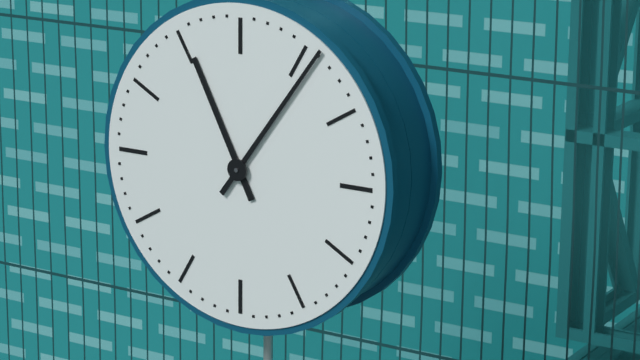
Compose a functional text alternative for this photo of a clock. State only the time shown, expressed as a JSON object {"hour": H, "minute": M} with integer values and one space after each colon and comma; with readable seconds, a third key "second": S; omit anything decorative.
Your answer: {"hour": 11, "minute": 6}
